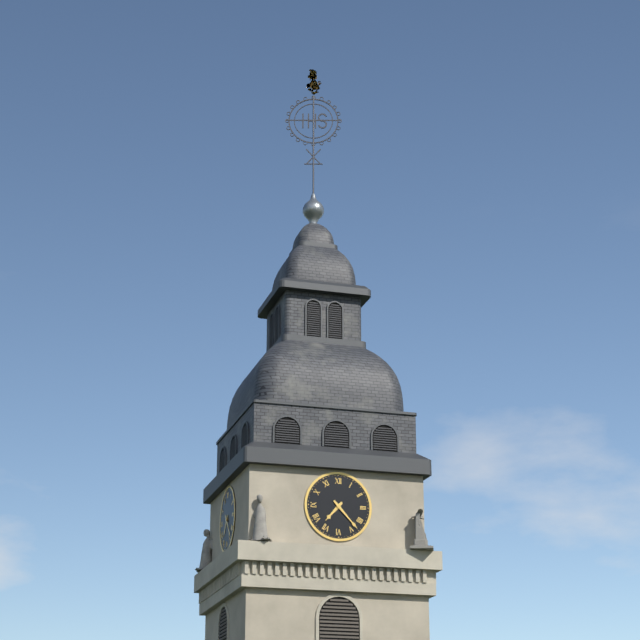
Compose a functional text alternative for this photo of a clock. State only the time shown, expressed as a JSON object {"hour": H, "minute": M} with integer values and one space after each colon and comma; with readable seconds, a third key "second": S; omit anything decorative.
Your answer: {"hour": 7, "minute": 23}
